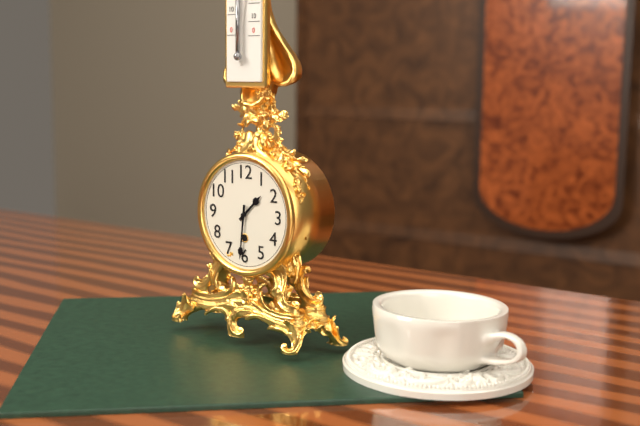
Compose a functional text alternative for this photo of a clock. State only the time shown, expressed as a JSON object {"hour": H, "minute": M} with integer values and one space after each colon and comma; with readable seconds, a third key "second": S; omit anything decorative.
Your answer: {"hour": 1, "minute": 31}
